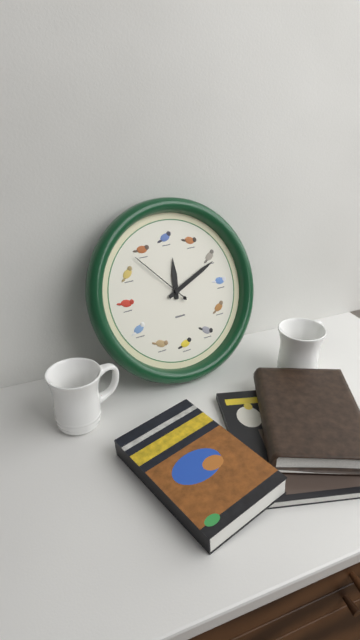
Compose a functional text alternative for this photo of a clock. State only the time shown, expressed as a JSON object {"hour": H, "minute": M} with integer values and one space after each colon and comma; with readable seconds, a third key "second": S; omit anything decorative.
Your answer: {"hour": 12, "minute": 11, "second": 53}
